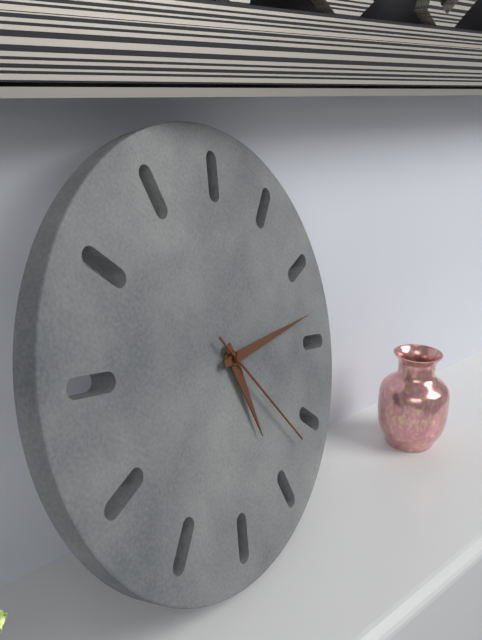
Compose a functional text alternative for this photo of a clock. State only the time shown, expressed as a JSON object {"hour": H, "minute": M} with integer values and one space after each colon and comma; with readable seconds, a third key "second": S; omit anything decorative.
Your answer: {"hour": 4, "minute": 8, "second": 17}
